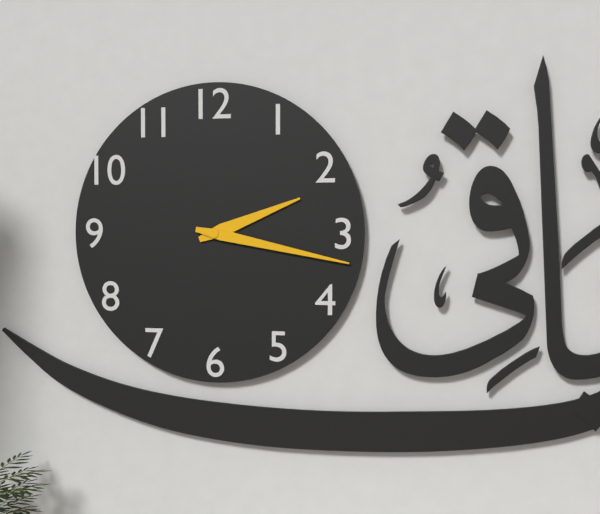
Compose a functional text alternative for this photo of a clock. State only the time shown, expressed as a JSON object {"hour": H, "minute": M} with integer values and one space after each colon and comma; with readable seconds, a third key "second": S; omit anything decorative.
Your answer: {"hour": 2, "minute": 17}
